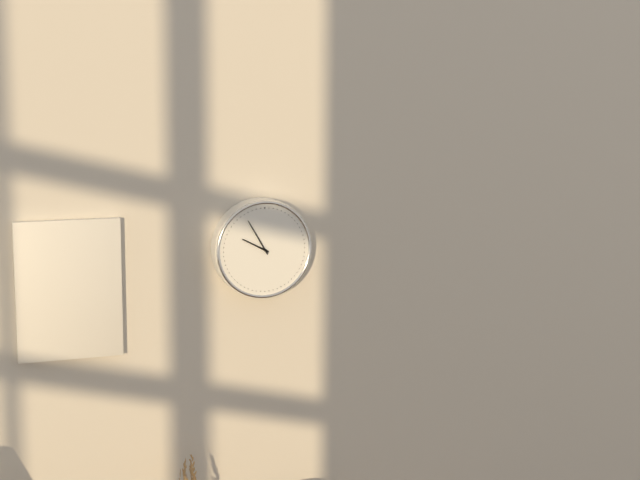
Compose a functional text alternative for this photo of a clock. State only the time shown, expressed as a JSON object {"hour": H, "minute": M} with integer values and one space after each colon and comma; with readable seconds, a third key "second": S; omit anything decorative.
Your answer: {"hour": 9, "minute": 55}
